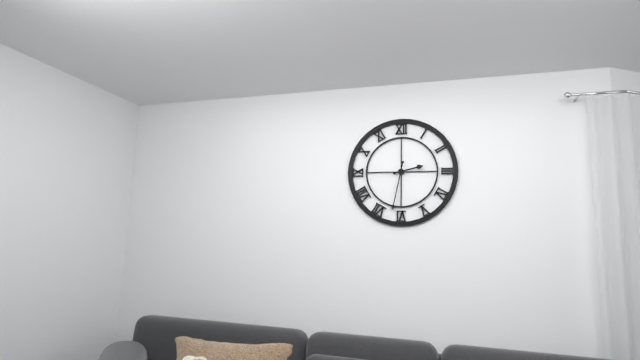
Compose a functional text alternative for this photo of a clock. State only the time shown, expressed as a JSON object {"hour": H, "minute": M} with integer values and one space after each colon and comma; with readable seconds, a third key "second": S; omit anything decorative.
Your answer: {"hour": 2, "minute": 32}
